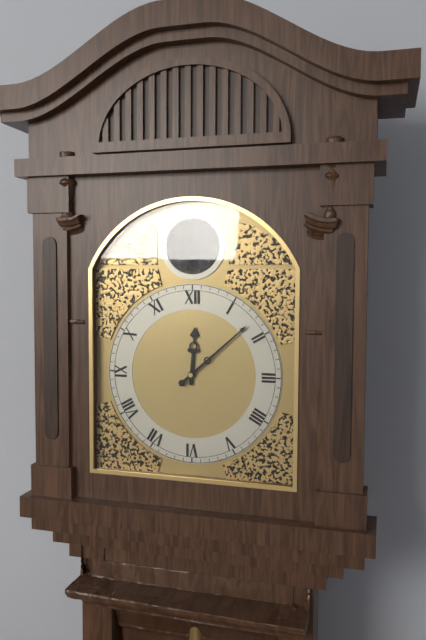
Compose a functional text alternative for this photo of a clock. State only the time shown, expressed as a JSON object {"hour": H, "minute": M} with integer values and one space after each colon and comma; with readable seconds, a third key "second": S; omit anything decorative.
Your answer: {"hour": 12, "minute": 8}
